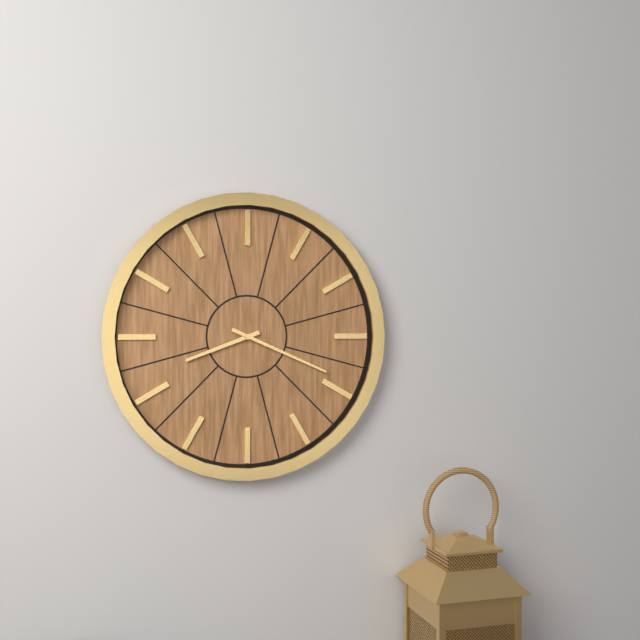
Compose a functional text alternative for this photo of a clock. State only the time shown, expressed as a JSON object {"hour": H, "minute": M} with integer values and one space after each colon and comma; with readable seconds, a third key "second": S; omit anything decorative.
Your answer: {"hour": 8, "minute": 19}
